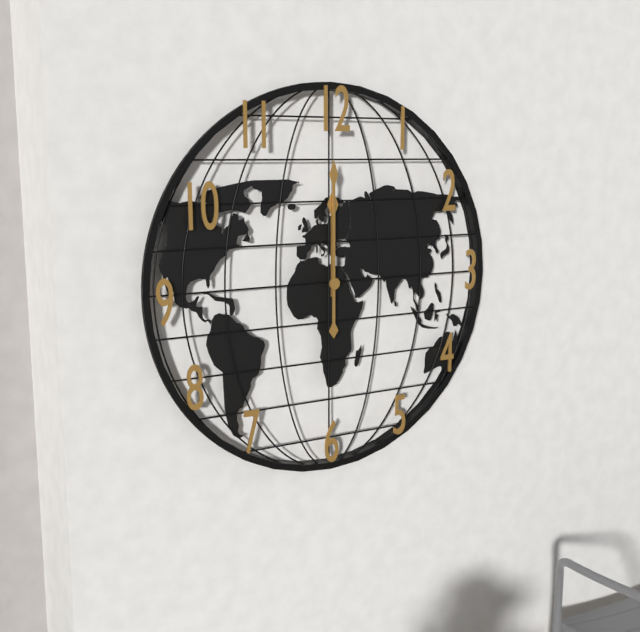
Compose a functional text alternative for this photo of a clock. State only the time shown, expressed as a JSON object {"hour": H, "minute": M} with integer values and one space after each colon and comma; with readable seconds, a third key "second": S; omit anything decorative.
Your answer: {"hour": 12, "minute": 0}
